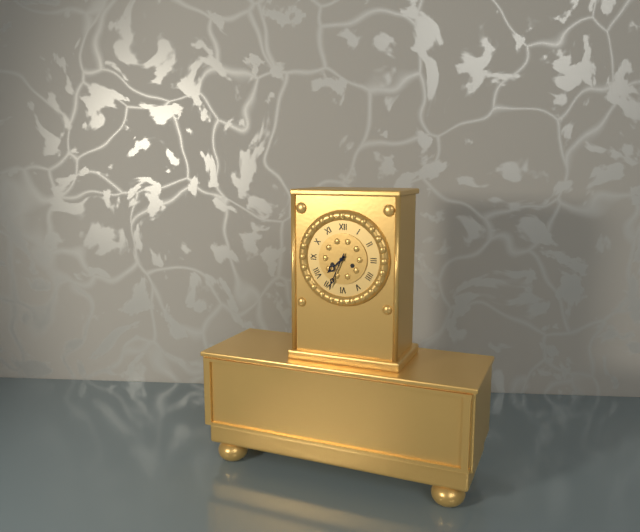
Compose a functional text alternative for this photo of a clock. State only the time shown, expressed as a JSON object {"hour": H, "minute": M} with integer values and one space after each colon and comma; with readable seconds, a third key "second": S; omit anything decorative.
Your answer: {"hour": 7, "minute": 34}
